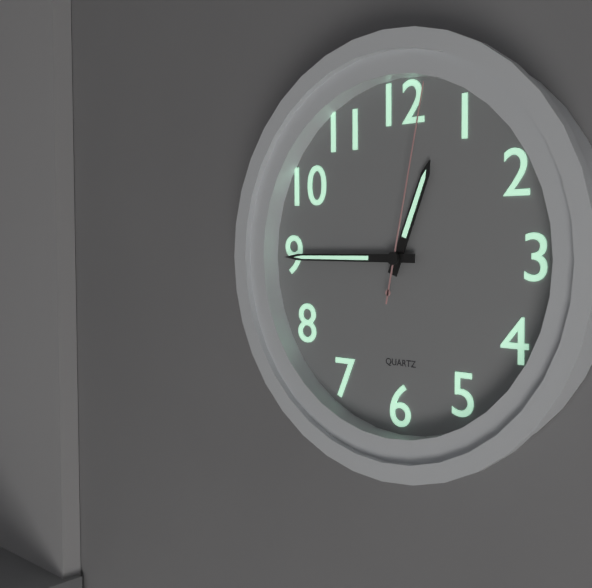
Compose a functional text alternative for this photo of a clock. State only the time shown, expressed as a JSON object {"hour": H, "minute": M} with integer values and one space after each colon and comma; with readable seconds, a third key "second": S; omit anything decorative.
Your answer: {"hour": 12, "minute": 45, "second": 2}
